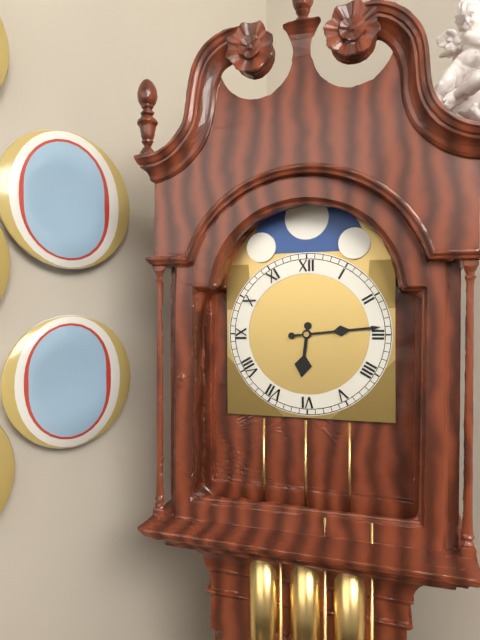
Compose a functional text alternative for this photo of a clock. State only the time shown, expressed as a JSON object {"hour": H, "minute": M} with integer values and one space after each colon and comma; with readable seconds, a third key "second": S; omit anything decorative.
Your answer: {"hour": 6, "minute": 14}
